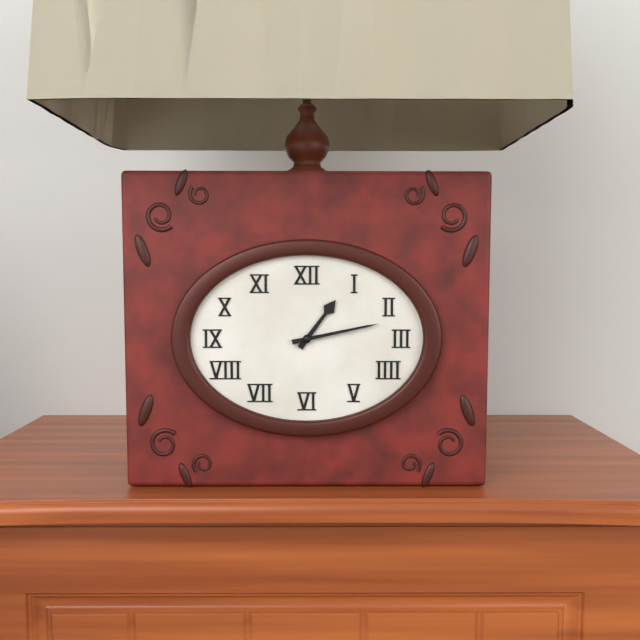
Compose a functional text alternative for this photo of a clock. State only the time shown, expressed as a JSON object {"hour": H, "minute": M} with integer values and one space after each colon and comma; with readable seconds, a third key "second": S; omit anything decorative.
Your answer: {"hour": 1, "minute": 13}
